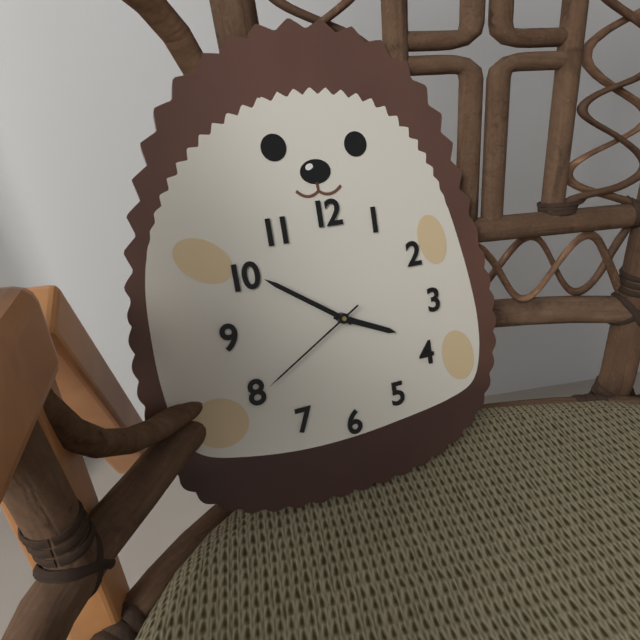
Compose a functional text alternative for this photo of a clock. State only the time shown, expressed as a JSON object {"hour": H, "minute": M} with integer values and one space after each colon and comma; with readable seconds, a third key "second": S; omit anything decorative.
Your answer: {"hour": 3, "minute": 51, "second": 40}
